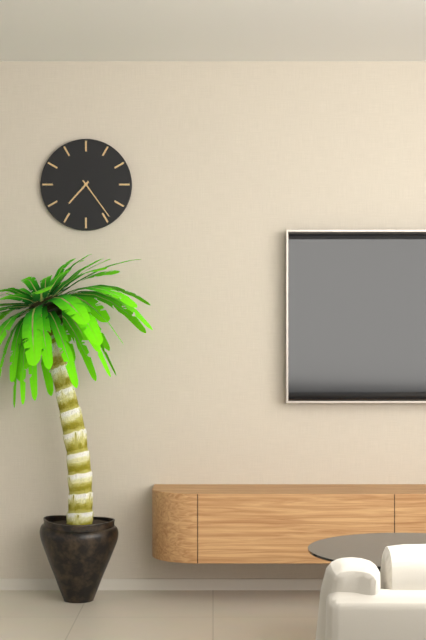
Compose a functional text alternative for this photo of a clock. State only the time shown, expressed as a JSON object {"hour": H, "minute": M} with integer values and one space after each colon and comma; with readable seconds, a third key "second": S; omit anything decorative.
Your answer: {"hour": 7, "minute": 24}
